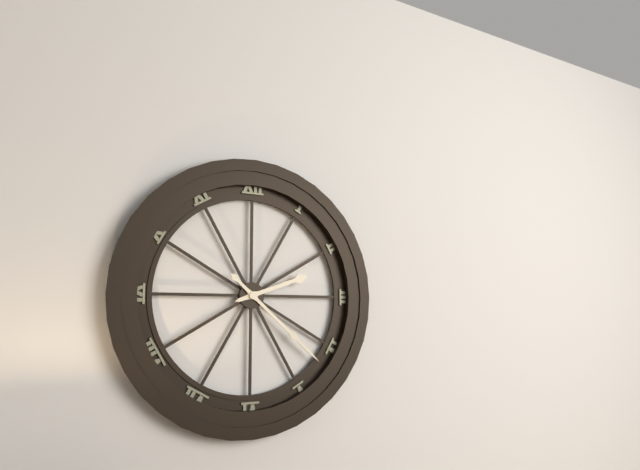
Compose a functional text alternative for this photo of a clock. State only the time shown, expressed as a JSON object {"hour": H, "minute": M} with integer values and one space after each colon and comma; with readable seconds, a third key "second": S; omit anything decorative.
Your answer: {"hour": 2, "minute": 22}
